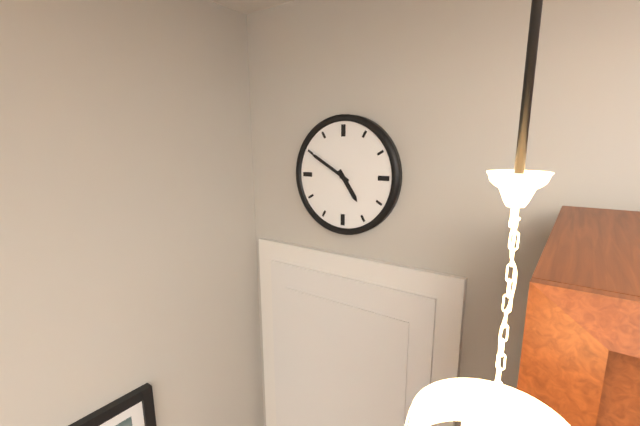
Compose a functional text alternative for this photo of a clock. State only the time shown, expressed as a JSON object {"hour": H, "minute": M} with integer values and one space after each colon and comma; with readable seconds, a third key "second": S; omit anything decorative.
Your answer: {"hour": 4, "minute": 50}
